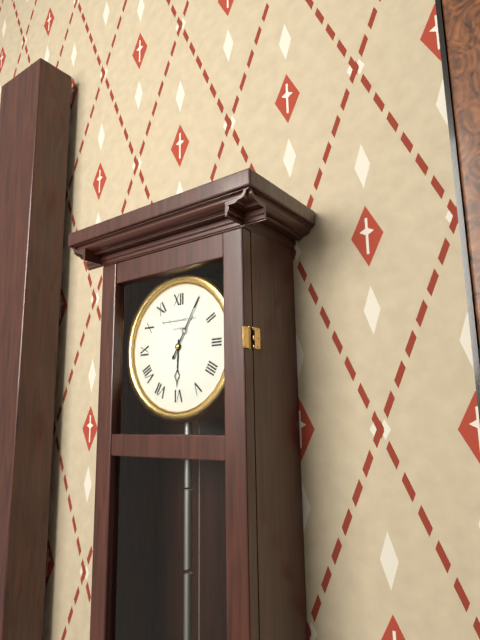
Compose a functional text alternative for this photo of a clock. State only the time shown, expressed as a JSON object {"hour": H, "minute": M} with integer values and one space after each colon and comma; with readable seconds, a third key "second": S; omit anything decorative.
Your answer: {"hour": 6, "minute": 5}
